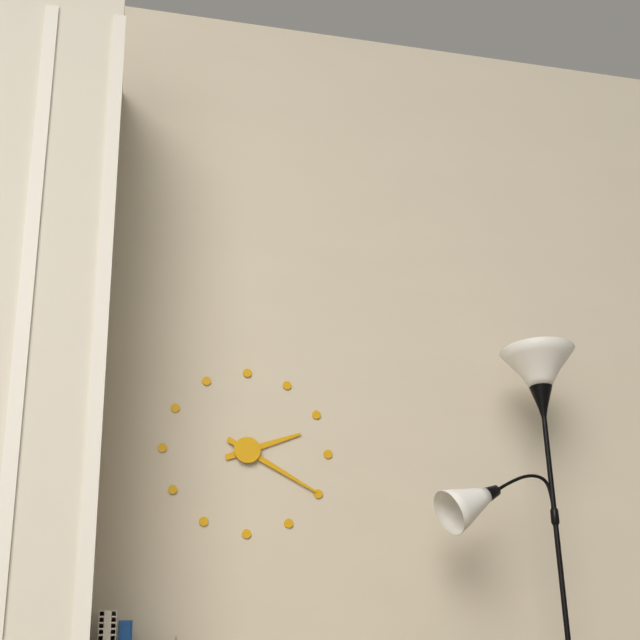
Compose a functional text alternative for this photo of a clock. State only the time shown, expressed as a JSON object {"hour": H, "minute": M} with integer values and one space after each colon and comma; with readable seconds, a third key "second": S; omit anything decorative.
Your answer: {"hour": 2, "minute": 20}
